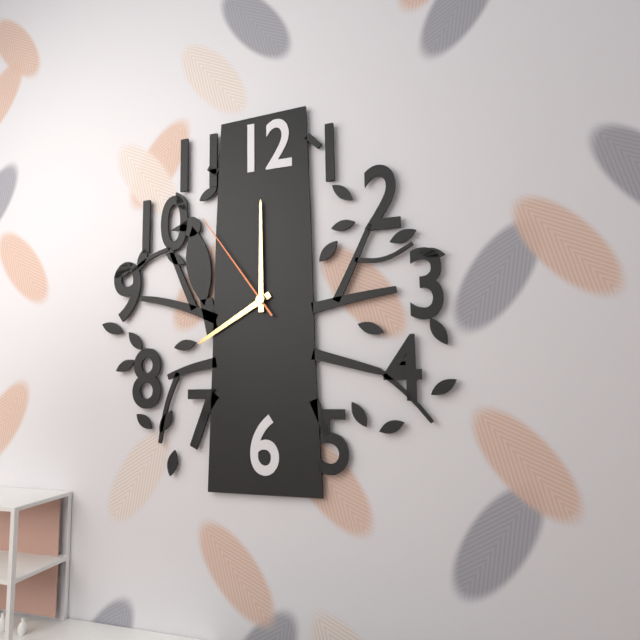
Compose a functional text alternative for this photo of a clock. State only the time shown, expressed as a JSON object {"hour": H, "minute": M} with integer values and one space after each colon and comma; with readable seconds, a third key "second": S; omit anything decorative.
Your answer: {"hour": 8, "minute": 0, "second": 54}
